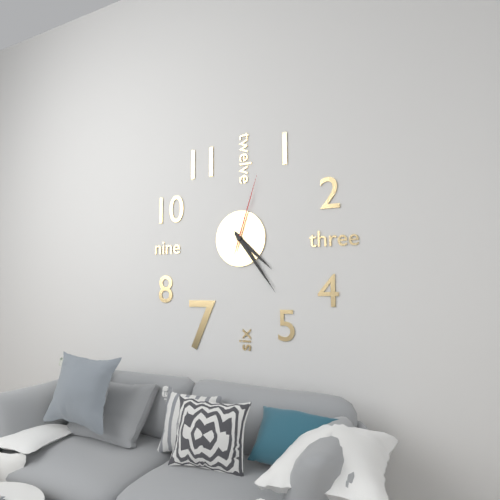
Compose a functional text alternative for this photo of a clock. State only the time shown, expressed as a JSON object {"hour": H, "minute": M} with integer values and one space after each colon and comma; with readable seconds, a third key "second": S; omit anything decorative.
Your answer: {"hour": 4, "minute": 24, "second": 3}
